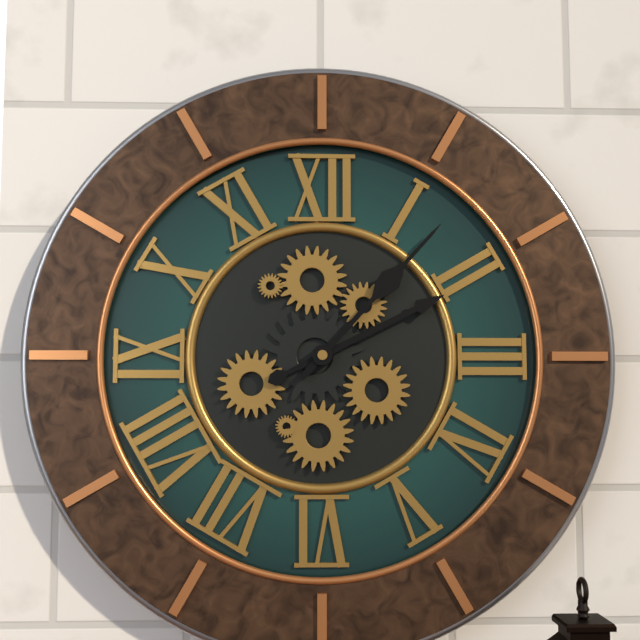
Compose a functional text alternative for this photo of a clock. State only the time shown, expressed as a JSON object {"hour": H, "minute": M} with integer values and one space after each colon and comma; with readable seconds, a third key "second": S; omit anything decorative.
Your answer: {"hour": 2, "minute": 7}
